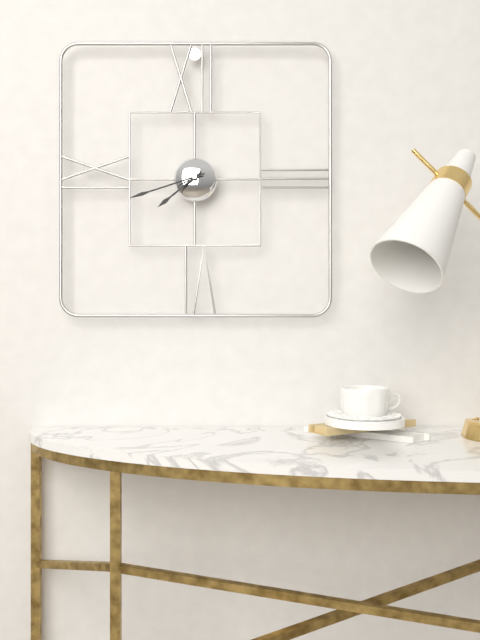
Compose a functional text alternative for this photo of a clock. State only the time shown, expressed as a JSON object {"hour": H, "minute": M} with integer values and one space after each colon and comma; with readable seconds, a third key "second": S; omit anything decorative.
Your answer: {"hour": 7, "minute": 42}
